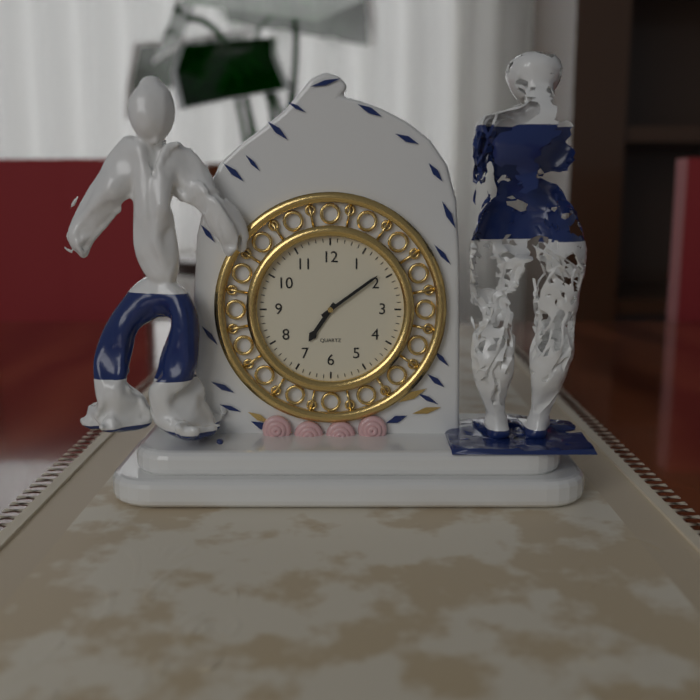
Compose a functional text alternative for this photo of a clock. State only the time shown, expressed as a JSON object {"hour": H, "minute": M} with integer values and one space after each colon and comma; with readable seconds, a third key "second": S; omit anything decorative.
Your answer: {"hour": 7, "minute": 9}
